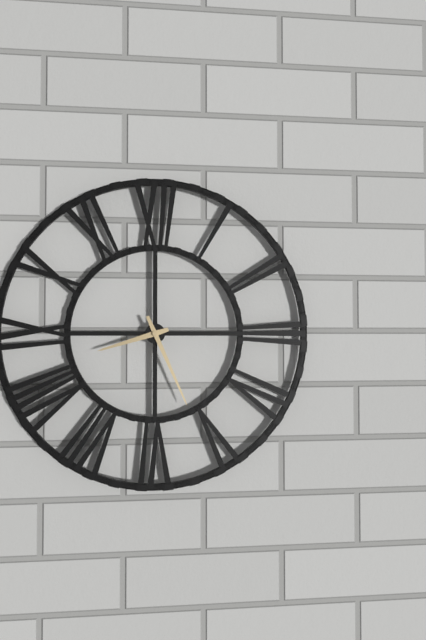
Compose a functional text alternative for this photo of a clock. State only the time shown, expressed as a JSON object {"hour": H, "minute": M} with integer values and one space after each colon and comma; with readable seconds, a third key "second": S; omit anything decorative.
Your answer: {"hour": 8, "minute": 26}
